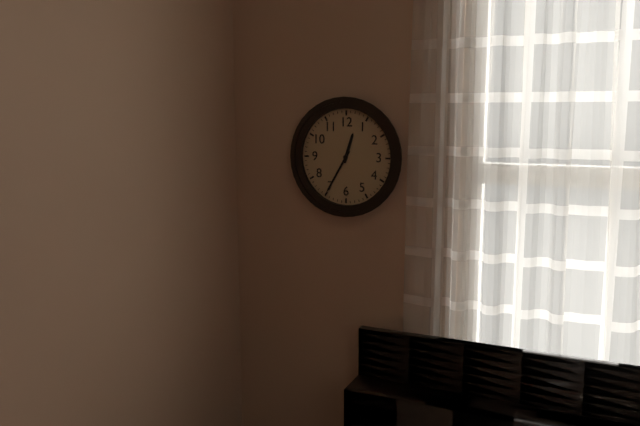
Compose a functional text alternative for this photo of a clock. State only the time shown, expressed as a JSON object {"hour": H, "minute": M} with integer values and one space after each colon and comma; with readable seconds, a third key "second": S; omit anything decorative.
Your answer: {"hour": 12, "minute": 35}
